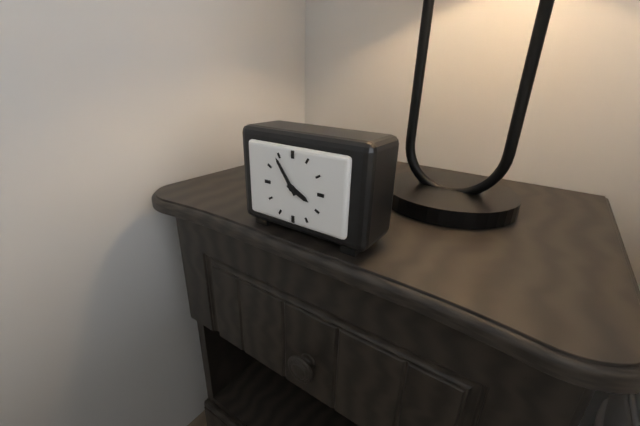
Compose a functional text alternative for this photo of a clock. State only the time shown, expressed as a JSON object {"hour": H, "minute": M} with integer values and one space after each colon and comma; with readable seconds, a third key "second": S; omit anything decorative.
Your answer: {"hour": 3, "minute": 54}
